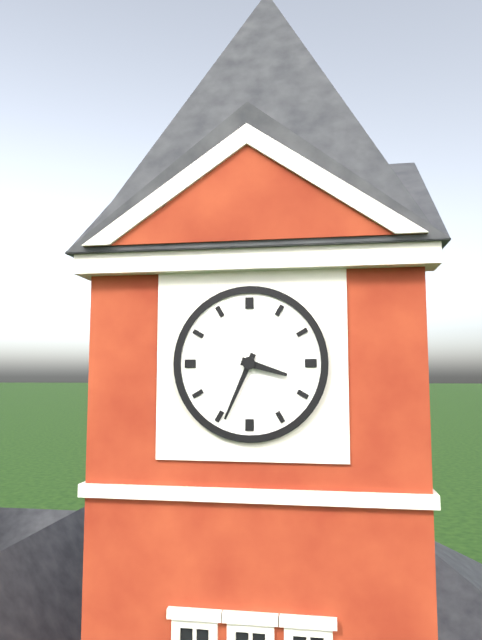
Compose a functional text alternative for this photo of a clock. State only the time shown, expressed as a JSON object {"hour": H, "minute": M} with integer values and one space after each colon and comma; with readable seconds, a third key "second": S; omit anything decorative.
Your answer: {"hour": 3, "minute": 34}
